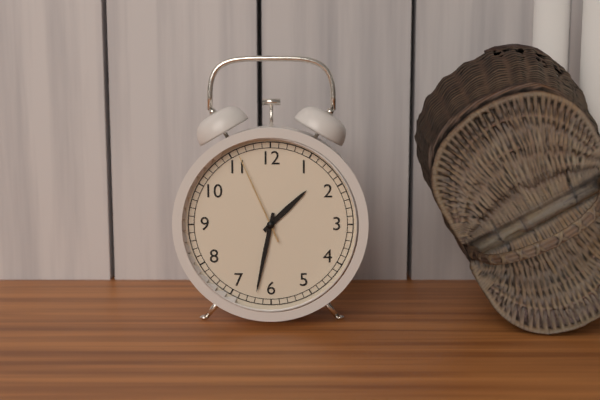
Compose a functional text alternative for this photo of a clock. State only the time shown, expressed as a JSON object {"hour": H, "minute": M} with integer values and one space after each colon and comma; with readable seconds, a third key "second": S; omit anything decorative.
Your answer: {"hour": 1, "minute": 32, "second": 56}
